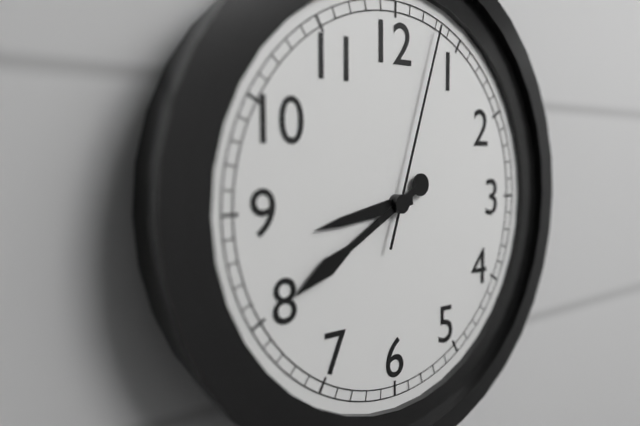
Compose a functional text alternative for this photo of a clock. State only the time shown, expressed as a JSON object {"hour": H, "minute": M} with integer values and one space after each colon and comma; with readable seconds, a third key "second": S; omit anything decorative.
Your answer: {"hour": 8, "minute": 40, "second": 3}
